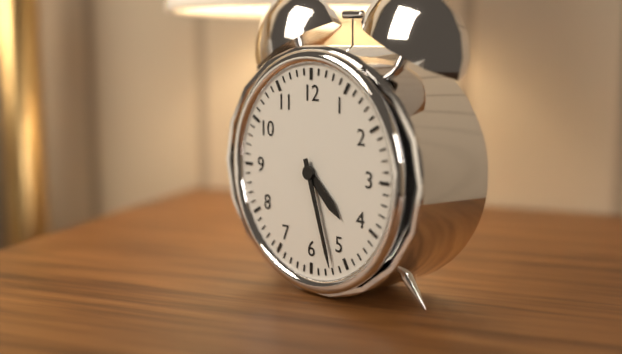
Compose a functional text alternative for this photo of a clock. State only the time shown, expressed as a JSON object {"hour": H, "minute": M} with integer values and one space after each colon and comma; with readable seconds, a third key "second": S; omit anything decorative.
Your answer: {"hour": 4, "minute": 27}
